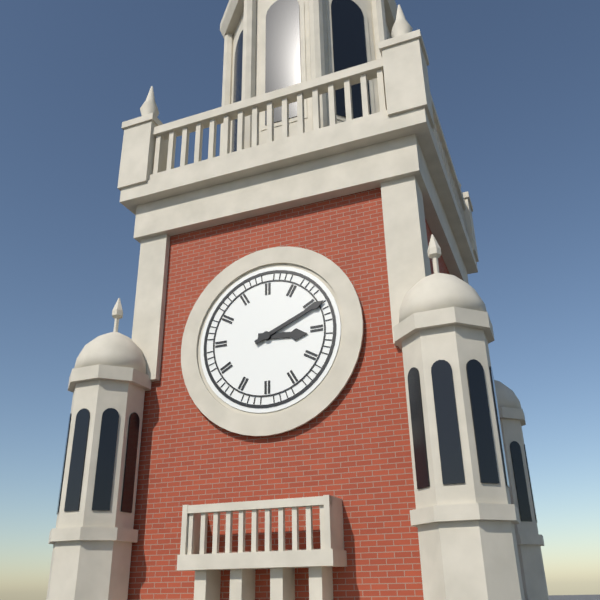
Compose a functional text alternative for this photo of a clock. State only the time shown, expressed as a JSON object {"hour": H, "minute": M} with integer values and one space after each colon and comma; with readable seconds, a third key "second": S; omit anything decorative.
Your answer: {"hour": 3, "minute": 11}
